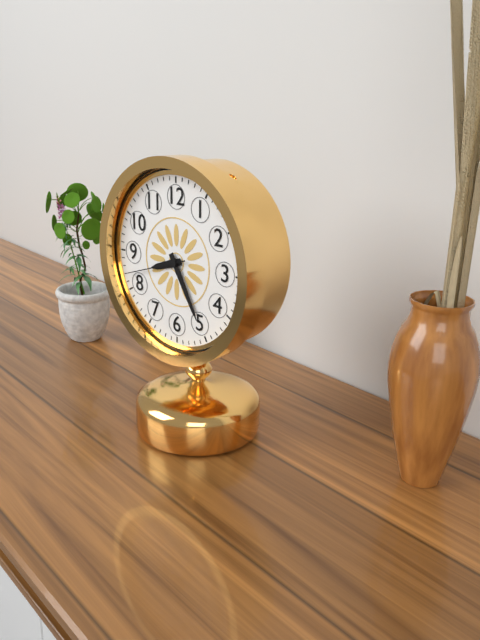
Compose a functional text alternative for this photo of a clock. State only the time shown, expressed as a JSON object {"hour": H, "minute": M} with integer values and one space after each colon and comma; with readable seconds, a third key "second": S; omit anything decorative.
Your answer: {"hour": 8, "minute": 25, "second": 42}
